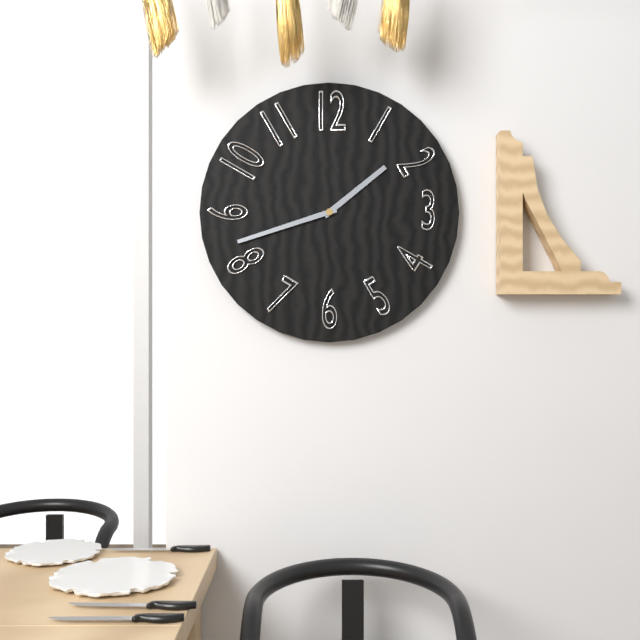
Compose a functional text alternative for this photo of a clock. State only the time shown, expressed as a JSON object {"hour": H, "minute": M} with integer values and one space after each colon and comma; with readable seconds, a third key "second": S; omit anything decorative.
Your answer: {"hour": 1, "minute": 42}
